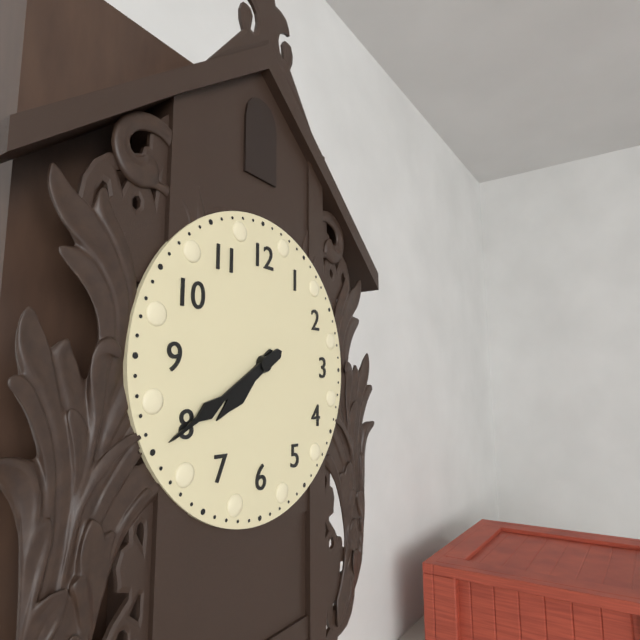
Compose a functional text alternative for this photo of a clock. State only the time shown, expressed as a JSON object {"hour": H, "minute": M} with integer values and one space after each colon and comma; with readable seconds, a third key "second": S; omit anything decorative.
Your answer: {"hour": 7, "minute": 40}
